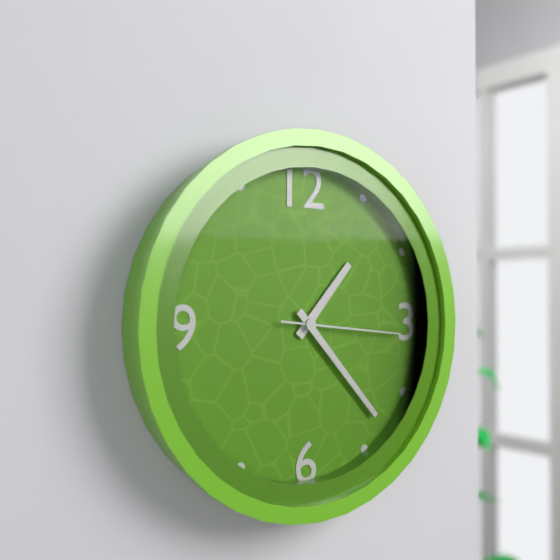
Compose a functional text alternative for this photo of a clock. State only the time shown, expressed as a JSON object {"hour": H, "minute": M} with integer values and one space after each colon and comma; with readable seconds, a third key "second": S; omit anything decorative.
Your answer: {"hour": 1, "minute": 23, "second": 16}
